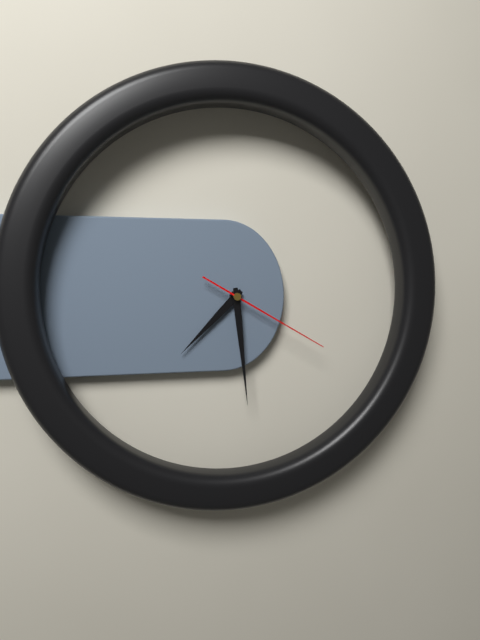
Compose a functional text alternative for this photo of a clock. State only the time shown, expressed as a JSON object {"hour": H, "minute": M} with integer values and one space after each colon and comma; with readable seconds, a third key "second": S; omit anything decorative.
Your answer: {"hour": 7, "minute": 29, "second": 20}
